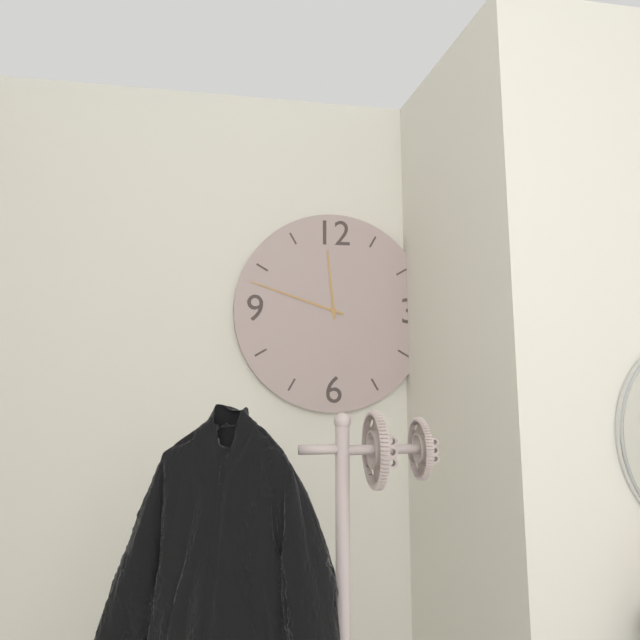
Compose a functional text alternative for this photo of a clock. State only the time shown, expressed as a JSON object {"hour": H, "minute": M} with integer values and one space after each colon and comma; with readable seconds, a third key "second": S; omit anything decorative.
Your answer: {"hour": 11, "minute": 48}
